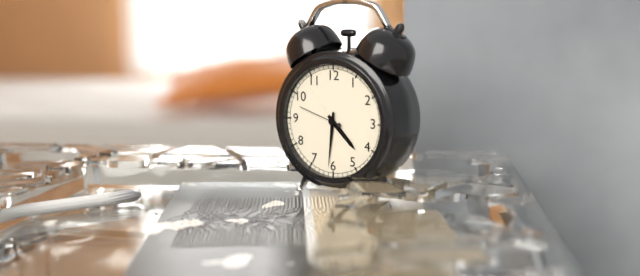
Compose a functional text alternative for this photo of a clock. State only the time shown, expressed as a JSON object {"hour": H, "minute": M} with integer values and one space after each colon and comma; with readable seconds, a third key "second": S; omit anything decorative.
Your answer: {"hour": 4, "minute": 31}
